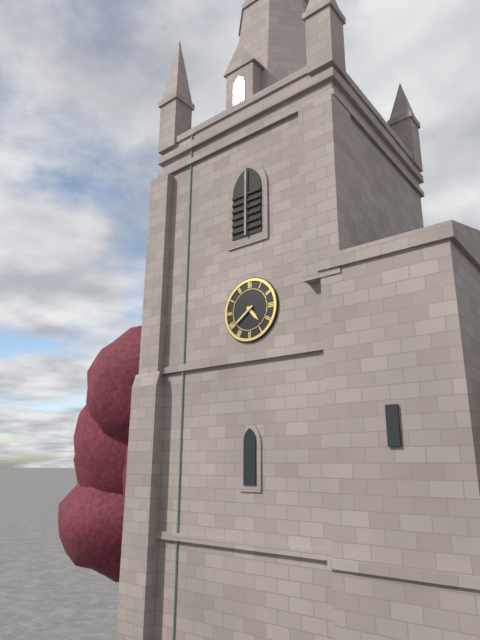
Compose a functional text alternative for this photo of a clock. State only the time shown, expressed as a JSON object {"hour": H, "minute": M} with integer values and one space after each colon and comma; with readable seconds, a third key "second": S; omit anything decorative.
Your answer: {"hour": 4, "minute": 39}
